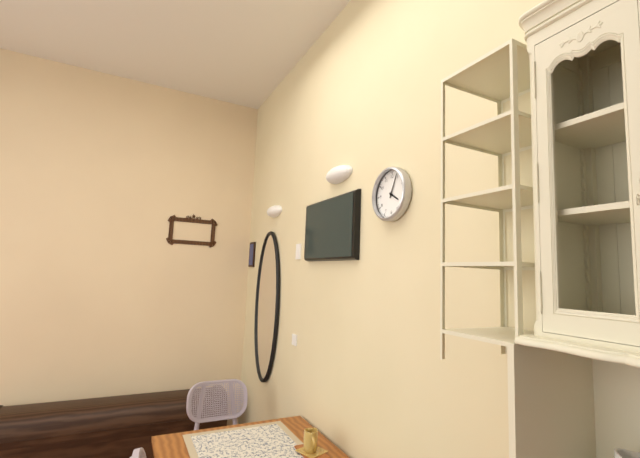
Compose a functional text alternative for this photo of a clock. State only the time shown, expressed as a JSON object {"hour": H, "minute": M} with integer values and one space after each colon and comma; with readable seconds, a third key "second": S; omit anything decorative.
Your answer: {"hour": 4, "minute": 4}
